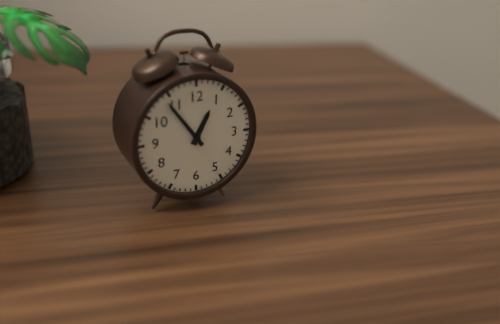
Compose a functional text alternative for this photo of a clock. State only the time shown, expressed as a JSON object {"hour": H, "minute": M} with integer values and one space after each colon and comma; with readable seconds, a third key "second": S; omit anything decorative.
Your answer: {"hour": 12, "minute": 54}
